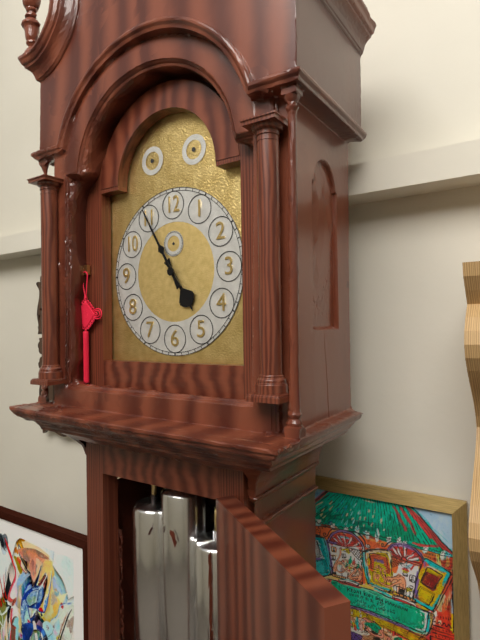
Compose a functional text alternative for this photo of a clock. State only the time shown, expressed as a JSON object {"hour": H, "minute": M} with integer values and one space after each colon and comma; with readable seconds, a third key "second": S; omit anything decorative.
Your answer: {"hour": 4, "minute": 55}
